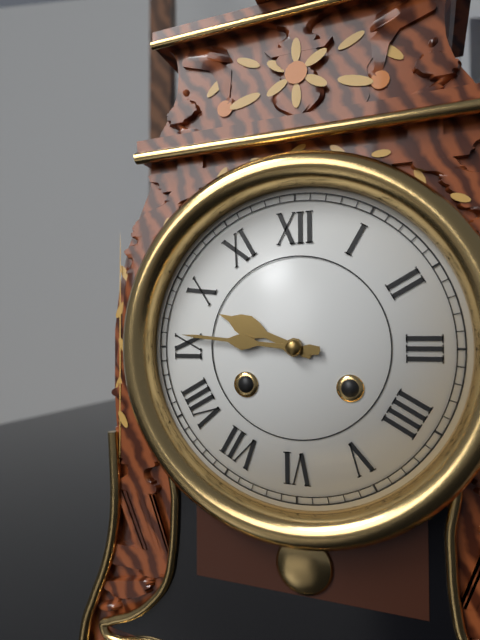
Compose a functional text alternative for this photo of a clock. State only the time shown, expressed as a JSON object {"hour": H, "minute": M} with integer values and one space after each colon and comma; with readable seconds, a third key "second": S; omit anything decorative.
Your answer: {"hour": 9, "minute": 46}
